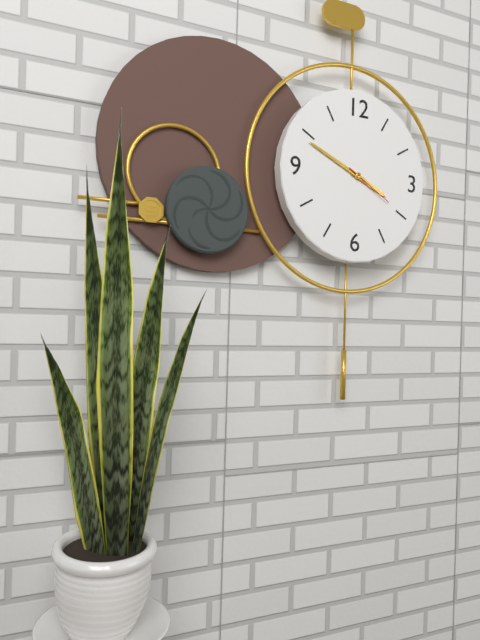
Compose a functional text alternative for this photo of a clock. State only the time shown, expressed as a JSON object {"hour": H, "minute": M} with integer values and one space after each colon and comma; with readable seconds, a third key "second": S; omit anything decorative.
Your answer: {"hour": 3, "minute": 49, "second": 20}
